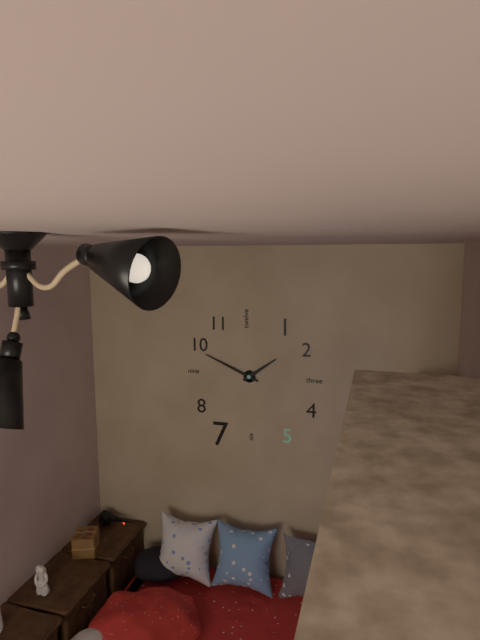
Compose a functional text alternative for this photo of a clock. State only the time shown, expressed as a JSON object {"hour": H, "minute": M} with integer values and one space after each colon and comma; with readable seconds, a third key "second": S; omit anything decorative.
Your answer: {"hour": 1, "minute": 49}
